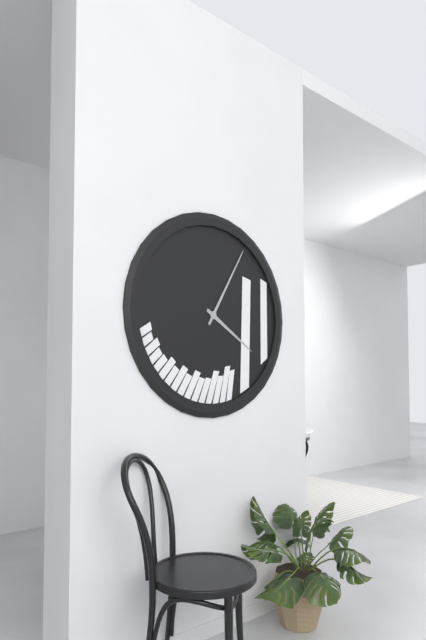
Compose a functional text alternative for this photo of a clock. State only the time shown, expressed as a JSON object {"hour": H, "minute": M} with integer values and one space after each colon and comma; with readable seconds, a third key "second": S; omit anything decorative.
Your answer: {"hour": 4, "minute": 5}
